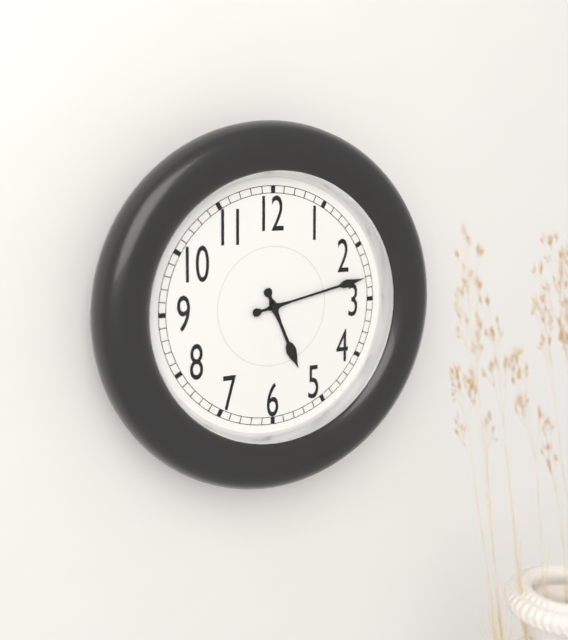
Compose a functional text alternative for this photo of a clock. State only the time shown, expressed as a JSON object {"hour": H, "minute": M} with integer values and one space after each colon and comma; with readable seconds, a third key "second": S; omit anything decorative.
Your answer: {"hour": 5, "minute": 13}
